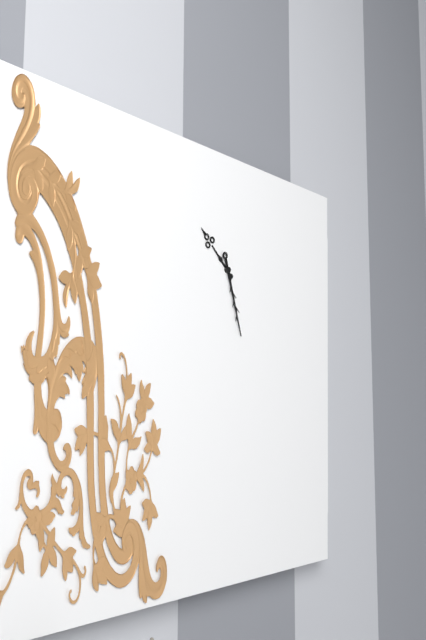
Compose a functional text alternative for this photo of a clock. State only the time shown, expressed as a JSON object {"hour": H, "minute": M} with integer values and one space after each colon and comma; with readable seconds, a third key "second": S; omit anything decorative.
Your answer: {"hour": 10, "minute": 27}
